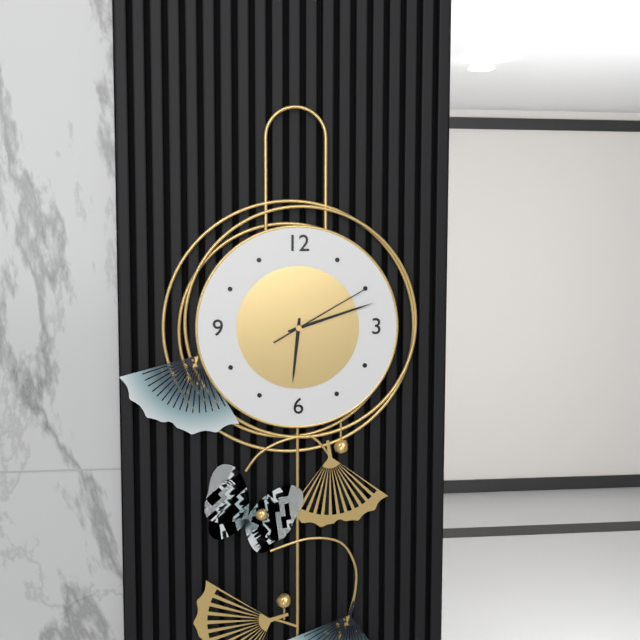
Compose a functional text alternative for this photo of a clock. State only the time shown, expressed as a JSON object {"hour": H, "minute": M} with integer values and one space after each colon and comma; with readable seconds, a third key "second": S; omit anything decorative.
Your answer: {"hour": 6, "minute": 12, "second": 10}
